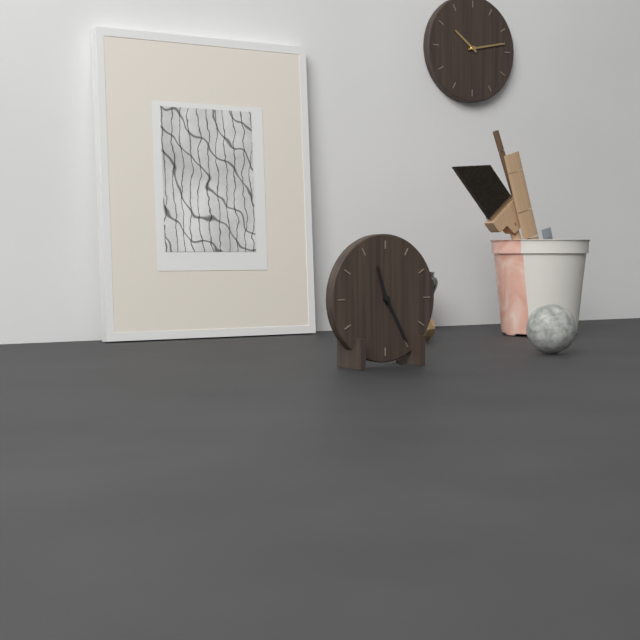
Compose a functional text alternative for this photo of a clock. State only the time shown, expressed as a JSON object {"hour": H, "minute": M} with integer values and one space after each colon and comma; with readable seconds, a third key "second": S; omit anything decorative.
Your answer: {"hour": 11, "minute": 25}
